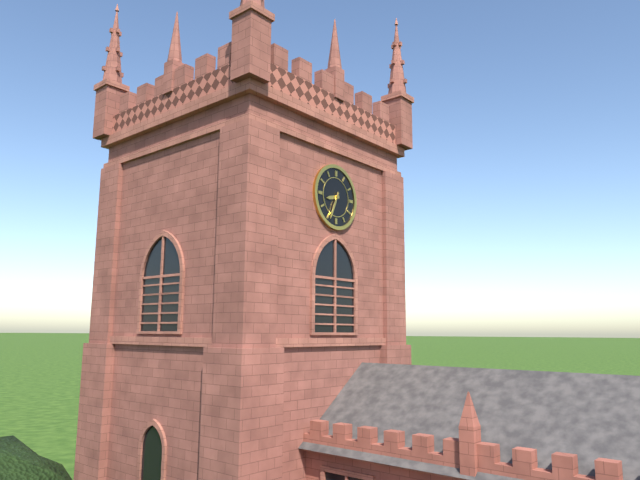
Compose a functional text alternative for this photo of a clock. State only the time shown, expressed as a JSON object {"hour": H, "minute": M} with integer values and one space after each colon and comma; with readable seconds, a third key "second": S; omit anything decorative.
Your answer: {"hour": 8, "minute": 34}
